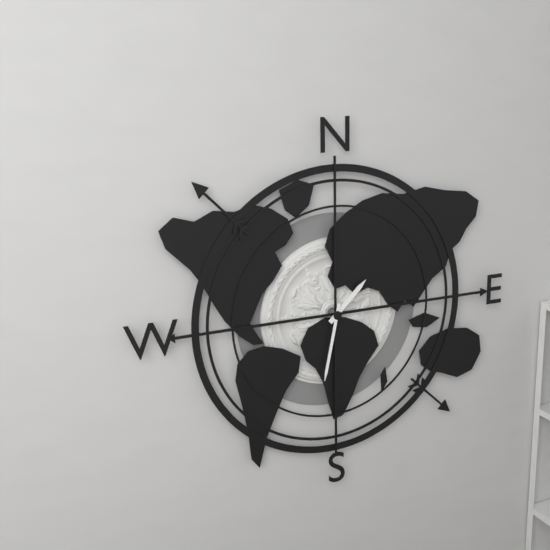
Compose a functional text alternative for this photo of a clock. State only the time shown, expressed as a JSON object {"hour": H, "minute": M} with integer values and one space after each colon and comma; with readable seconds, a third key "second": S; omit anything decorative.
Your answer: {"hour": 1, "minute": 32}
